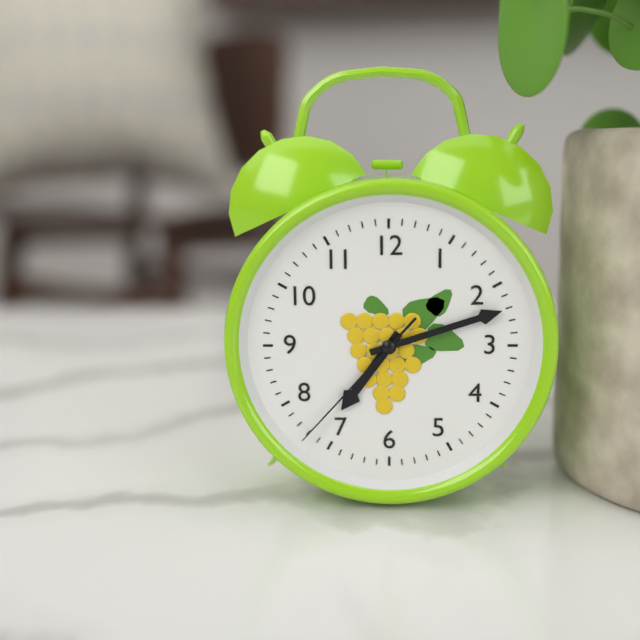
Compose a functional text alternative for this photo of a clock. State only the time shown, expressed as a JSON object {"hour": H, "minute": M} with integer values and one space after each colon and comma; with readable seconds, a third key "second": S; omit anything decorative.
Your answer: {"hour": 7, "minute": 12, "second": 37}
